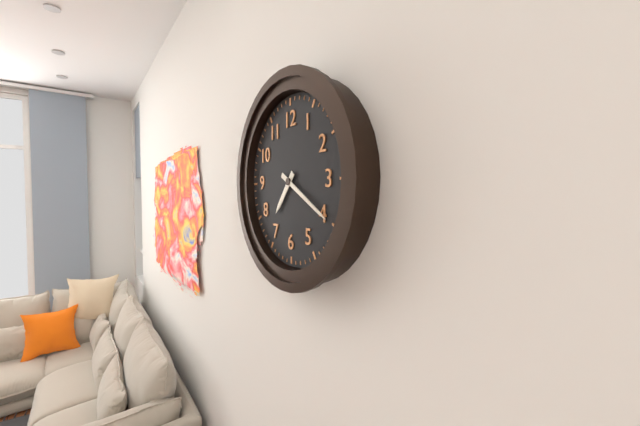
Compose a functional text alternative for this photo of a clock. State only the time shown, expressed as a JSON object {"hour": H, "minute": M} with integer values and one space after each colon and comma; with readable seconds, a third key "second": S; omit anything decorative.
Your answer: {"hour": 7, "minute": 20}
